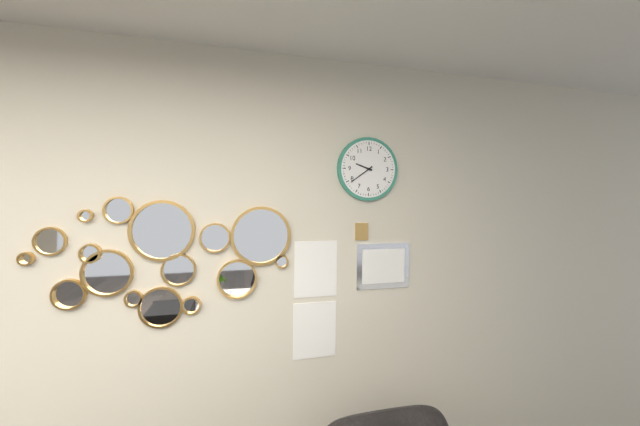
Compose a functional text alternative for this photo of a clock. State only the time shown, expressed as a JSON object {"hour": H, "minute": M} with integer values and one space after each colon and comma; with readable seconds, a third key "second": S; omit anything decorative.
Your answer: {"hour": 9, "minute": 39}
